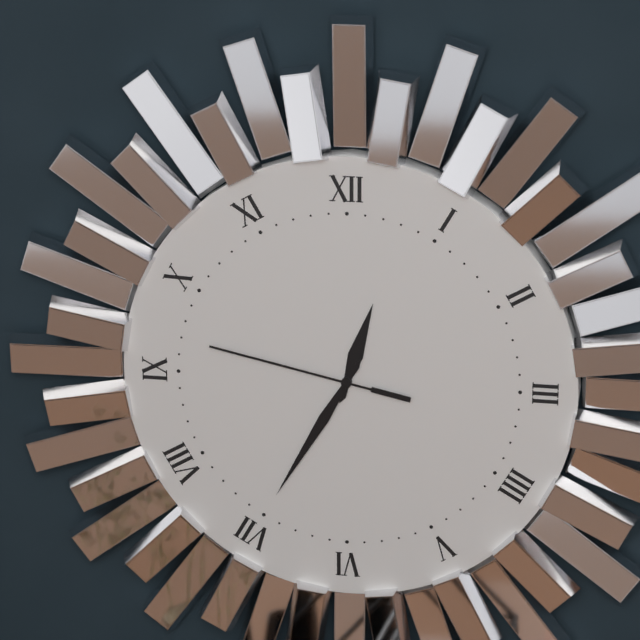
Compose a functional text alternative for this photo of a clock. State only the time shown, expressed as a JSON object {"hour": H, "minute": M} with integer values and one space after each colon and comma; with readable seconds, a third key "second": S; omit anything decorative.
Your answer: {"hour": 12, "minute": 35, "second": 47}
